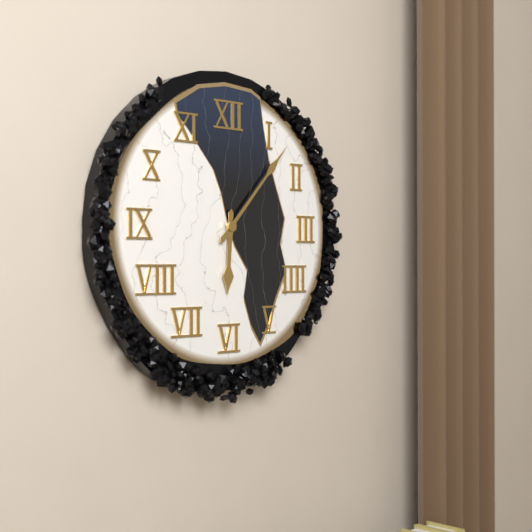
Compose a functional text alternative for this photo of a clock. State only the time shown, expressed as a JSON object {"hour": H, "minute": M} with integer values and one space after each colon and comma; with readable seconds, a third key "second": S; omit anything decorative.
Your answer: {"hour": 6, "minute": 7}
